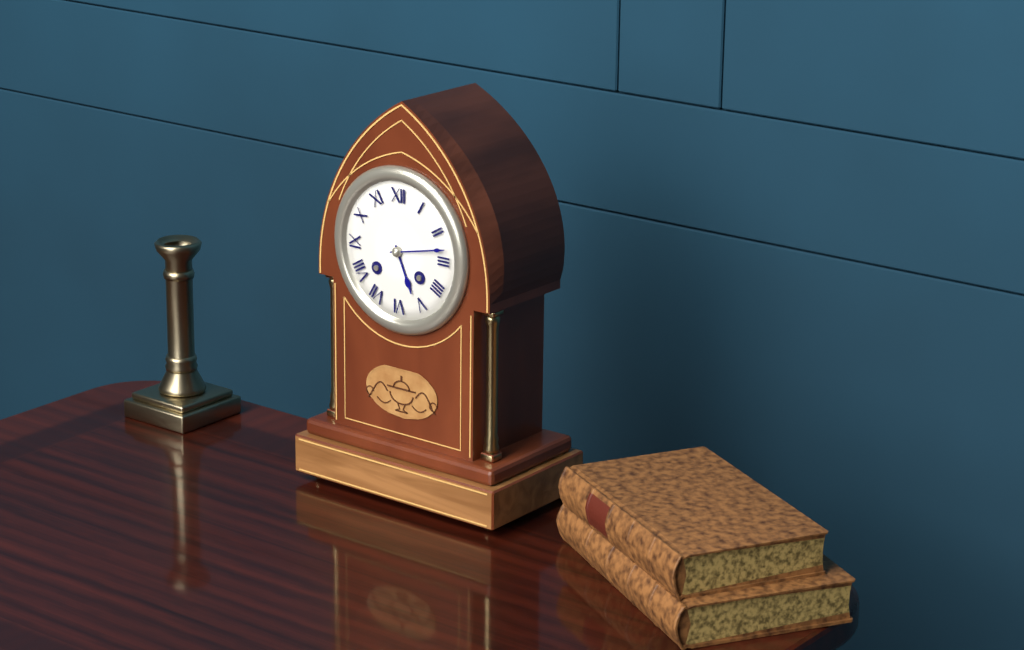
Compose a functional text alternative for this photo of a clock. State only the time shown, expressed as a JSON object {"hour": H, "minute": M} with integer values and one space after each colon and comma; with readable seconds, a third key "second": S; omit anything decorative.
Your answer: {"hour": 5, "minute": 13}
